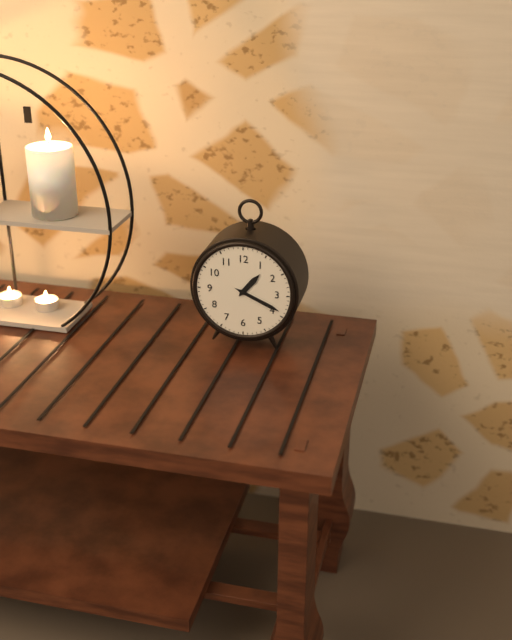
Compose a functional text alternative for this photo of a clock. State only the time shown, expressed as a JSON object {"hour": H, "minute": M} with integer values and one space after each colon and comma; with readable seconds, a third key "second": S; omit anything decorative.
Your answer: {"hour": 1, "minute": 19}
